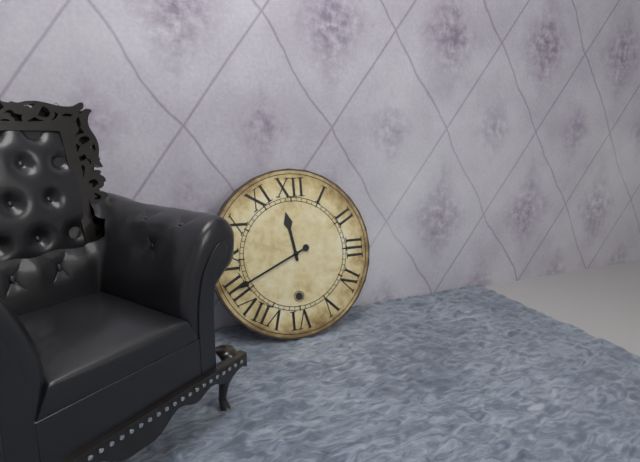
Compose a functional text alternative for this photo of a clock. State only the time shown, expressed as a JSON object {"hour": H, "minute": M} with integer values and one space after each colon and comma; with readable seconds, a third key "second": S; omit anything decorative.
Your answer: {"hour": 11, "minute": 41}
